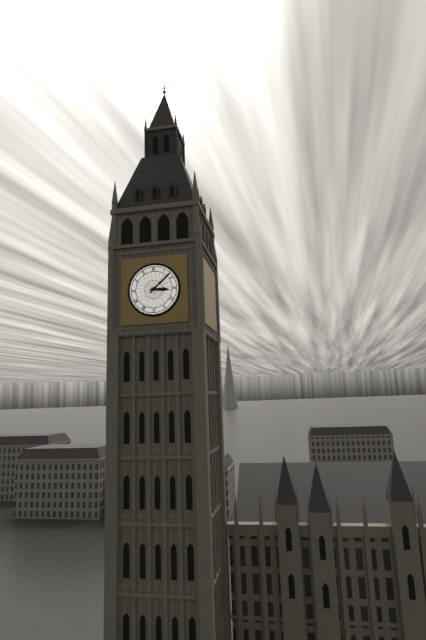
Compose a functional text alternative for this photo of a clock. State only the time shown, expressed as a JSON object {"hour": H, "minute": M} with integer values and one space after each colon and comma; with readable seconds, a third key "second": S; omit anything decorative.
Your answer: {"hour": 3, "minute": 8}
